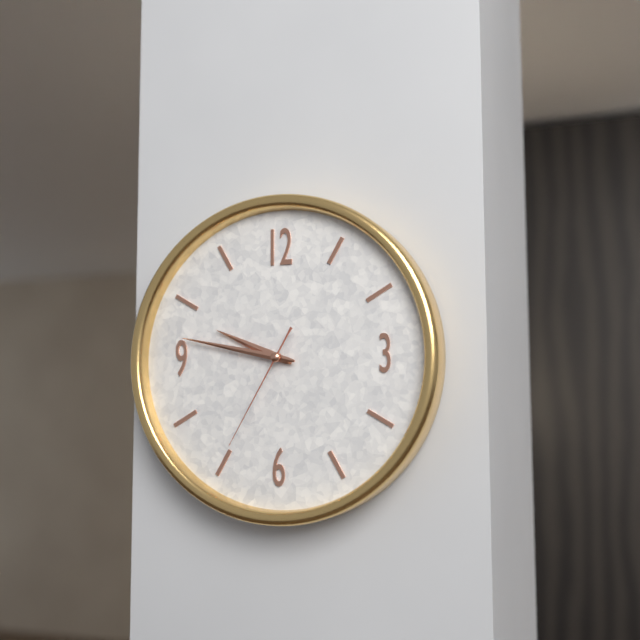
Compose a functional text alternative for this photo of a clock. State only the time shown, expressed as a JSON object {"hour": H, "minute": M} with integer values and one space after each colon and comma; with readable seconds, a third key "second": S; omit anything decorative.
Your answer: {"hour": 9, "minute": 47, "second": 35}
